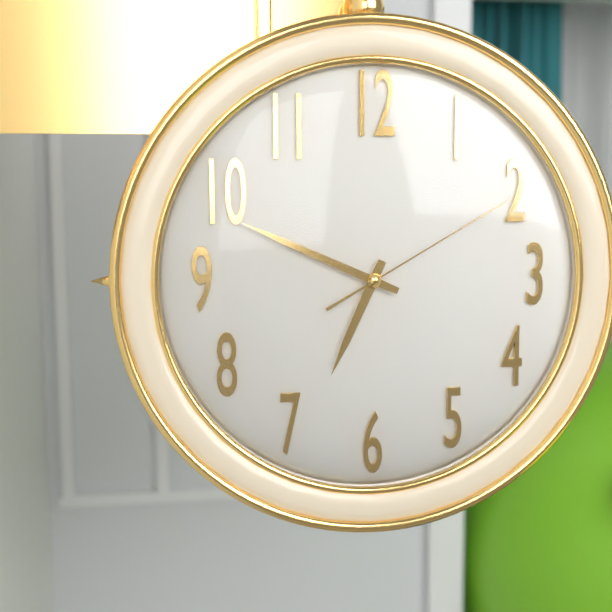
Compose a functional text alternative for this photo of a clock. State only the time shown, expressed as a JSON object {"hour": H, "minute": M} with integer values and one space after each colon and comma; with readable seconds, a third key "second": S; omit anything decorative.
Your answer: {"hour": 6, "minute": 49, "second": 10}
